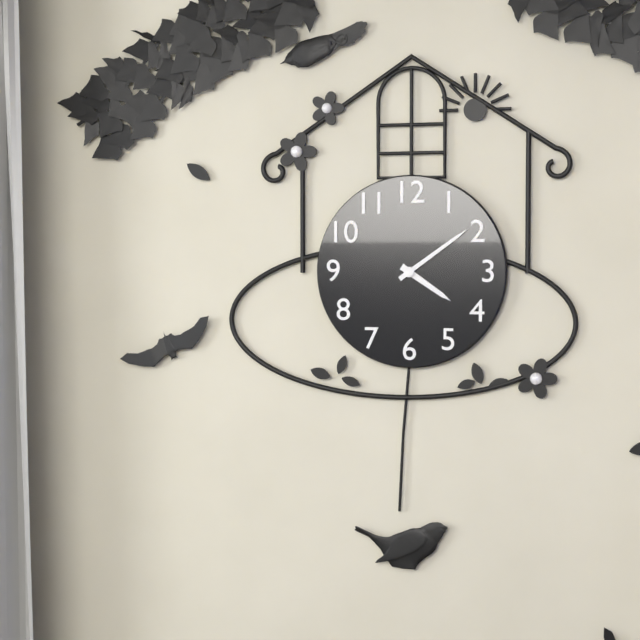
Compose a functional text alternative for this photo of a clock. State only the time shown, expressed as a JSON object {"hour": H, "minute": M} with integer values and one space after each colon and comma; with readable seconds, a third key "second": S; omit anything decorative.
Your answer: {"hour": 4, "minute": 9}
